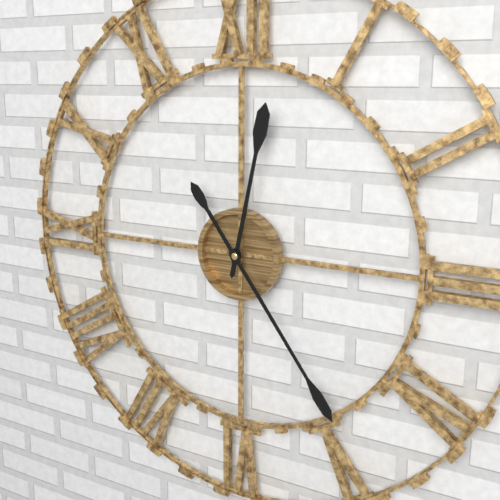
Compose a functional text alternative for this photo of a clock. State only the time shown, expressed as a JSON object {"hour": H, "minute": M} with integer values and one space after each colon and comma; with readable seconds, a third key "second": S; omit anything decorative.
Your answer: {"hour": 12, "minute": 24}
